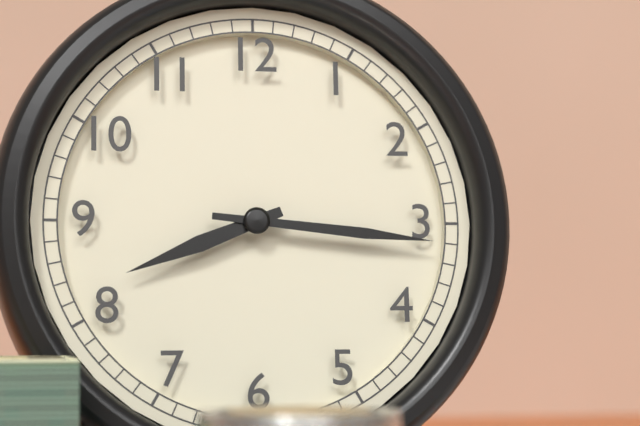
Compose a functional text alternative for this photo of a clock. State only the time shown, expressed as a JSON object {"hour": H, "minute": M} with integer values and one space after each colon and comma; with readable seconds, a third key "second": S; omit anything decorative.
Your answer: {"hour": 8, "minute": 16}
